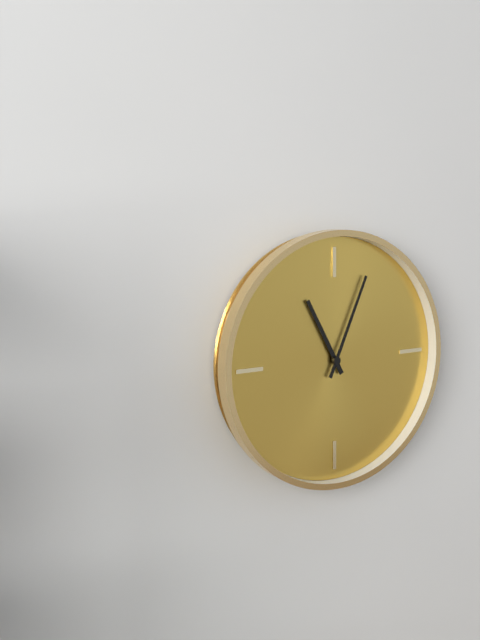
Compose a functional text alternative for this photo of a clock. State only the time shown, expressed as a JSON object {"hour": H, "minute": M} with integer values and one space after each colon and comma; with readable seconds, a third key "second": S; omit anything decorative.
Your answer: {"hour": 11, "minute": 4}
